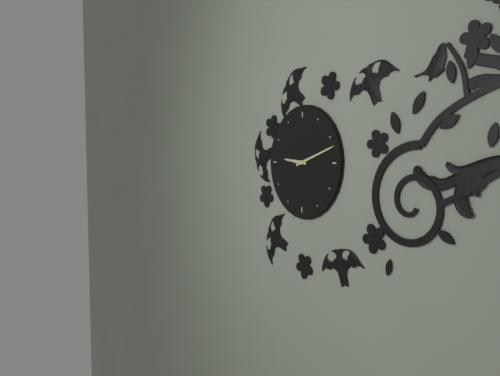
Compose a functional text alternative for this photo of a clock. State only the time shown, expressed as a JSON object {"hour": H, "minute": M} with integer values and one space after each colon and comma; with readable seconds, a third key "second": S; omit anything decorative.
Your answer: {"hour": 9, "minute": 12}
